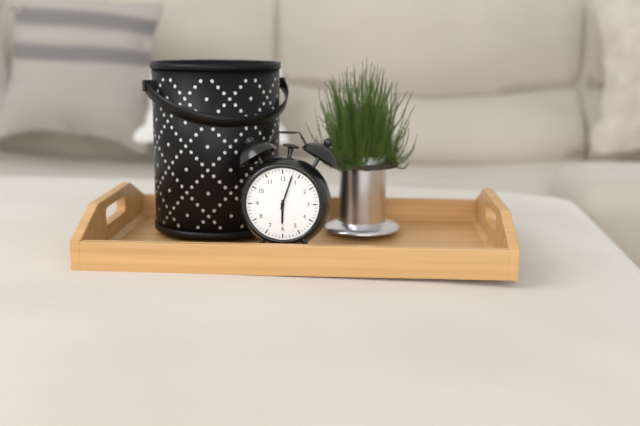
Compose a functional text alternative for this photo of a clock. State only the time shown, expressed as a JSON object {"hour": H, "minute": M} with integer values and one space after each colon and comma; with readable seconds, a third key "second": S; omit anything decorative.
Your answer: {"hour": 6, "minute": 3}
